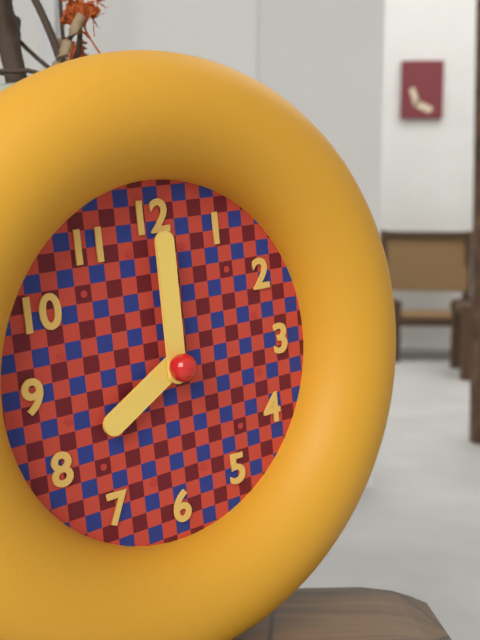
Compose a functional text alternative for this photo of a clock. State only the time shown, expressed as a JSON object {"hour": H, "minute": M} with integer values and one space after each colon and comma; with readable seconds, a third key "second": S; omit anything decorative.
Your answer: {"hour": 8, "minute": 0}
